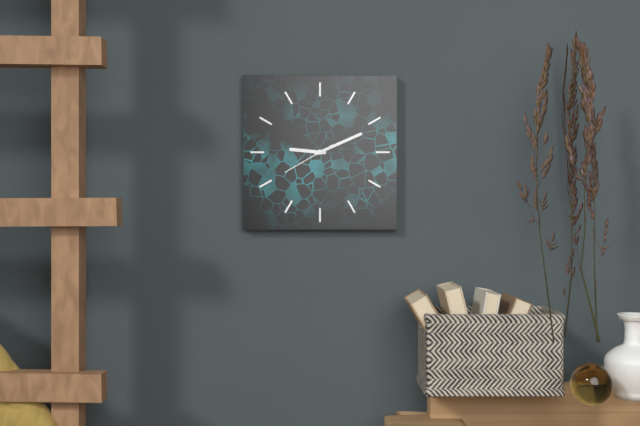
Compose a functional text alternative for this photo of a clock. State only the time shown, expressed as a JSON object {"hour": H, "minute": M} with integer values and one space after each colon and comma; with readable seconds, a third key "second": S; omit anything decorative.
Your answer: {"hour": 9, "minute": 11, "second": 40}
